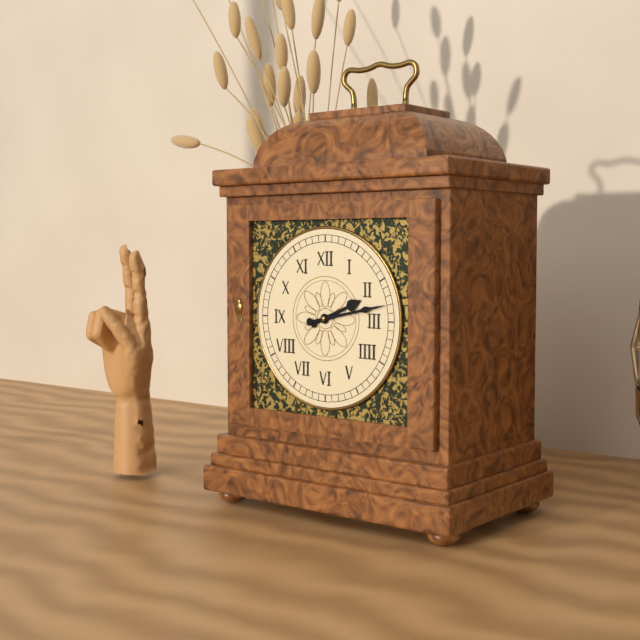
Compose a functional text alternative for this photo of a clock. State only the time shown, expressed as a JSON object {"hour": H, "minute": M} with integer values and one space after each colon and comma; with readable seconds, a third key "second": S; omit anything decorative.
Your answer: {"hour": 2, "minute": 13}
